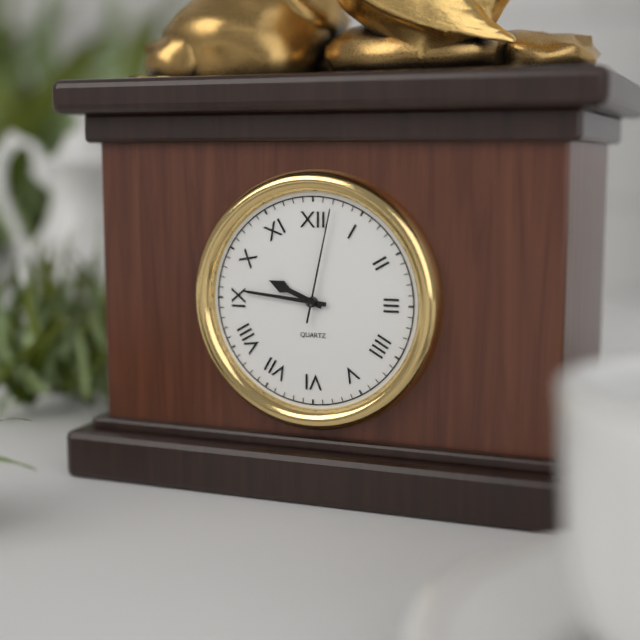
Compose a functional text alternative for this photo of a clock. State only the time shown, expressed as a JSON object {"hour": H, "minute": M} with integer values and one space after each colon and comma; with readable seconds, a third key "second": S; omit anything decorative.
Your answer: {"hour": 9, "minute": 46, "second": 2}
